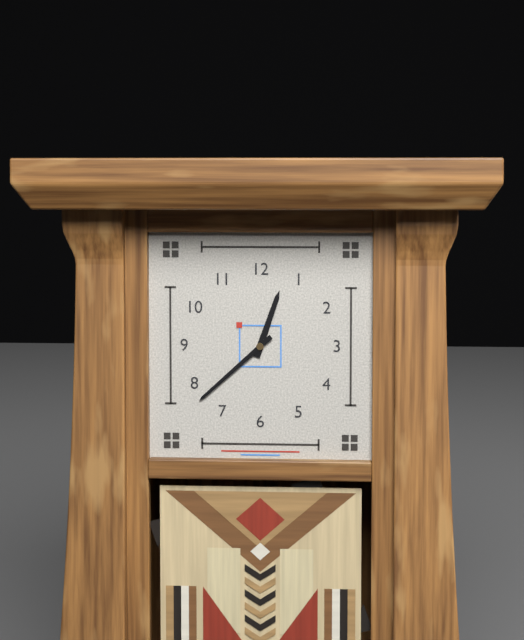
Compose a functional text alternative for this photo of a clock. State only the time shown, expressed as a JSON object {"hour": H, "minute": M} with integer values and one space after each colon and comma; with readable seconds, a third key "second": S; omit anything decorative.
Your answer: {"hour": 12, "minute": 38}
